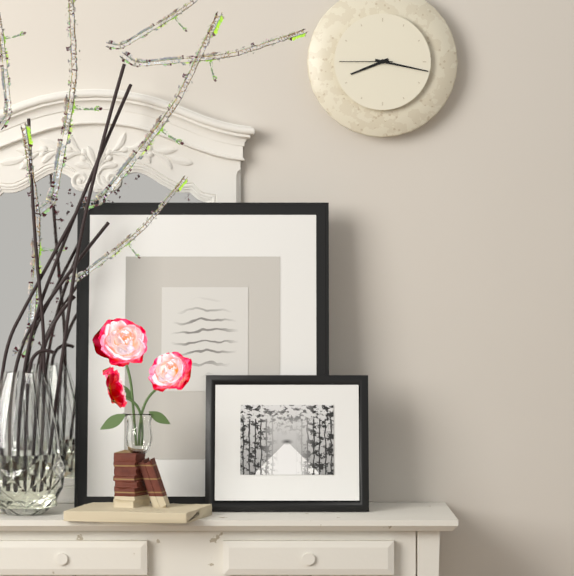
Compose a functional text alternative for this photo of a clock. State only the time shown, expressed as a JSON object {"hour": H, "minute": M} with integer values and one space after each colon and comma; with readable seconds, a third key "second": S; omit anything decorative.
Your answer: {"hour": 8, "minute": 17, "second": 45}
